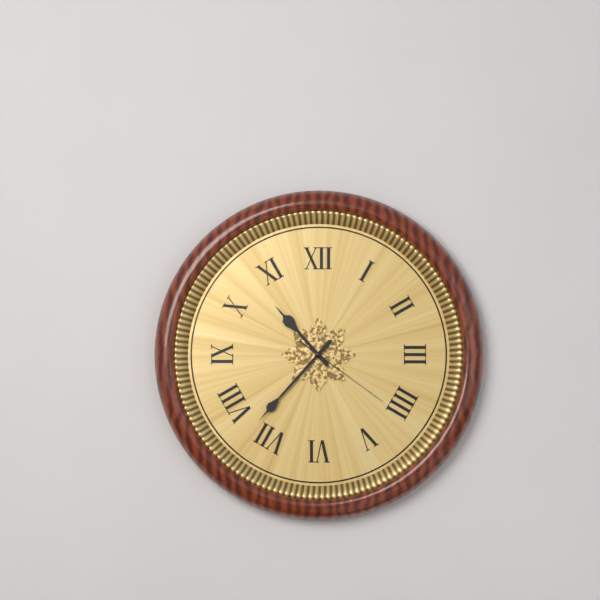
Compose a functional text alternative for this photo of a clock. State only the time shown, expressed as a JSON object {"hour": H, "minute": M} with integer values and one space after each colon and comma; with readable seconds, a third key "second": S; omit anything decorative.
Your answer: {"hour": 10, "minute": 37, "second": 21}
